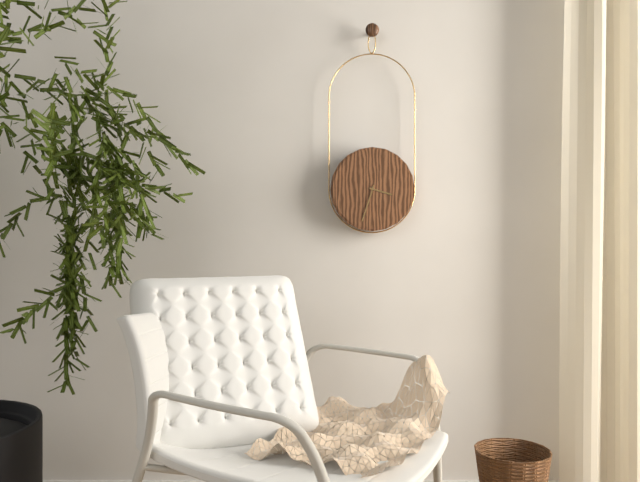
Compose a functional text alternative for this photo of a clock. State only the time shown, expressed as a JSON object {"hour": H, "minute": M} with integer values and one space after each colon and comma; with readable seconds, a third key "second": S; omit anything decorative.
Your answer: {"hour": 3, "minute": 33}
